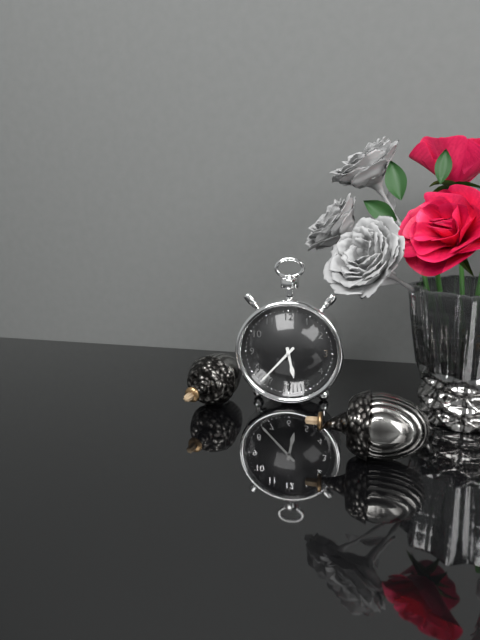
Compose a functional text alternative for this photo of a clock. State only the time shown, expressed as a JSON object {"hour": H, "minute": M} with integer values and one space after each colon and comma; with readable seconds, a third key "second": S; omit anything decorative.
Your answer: {"hour": 5, "minute": 37}
